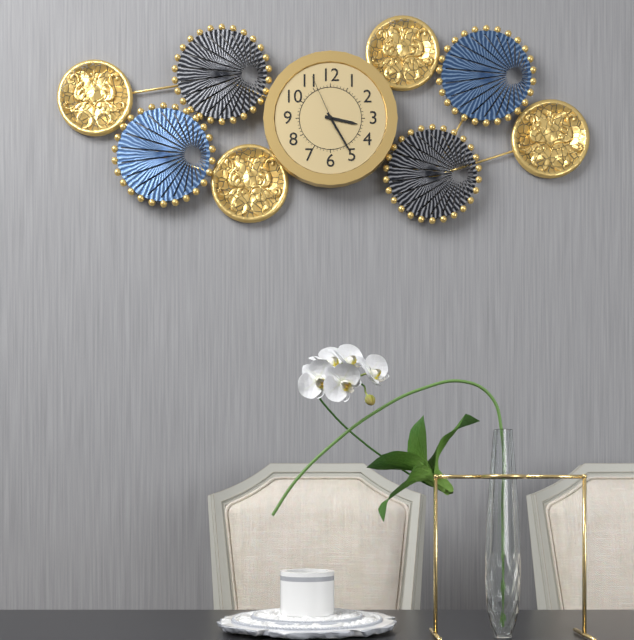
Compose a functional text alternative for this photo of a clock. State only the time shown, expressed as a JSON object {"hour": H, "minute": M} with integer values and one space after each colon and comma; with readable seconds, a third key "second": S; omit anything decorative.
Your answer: {"hour": 3, "minute": 25, "second": 56}
